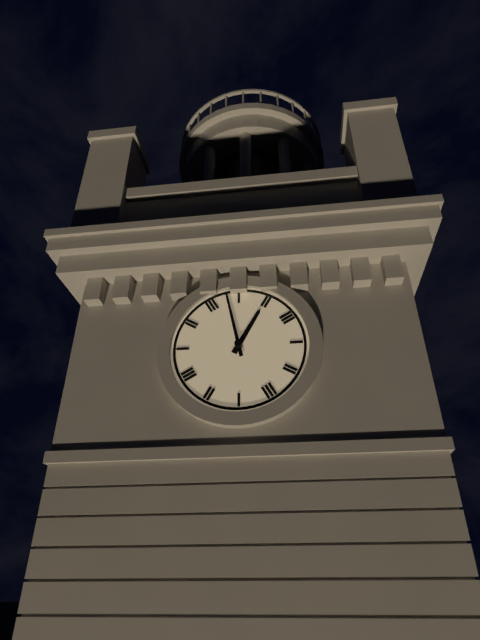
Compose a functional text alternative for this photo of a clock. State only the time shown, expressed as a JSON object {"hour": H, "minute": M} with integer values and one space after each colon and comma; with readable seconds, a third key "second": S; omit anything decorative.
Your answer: {"hour": 12, "minute": 58}
